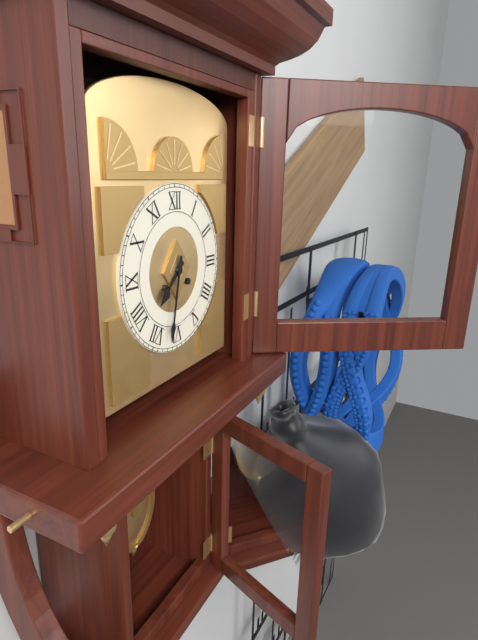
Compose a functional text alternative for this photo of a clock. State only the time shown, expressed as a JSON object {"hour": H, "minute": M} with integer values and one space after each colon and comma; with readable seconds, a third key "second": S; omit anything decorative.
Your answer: {"hour": 7, "minute": 32}
